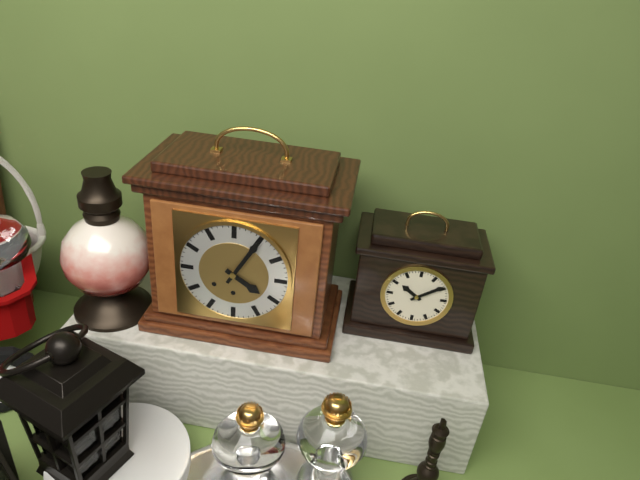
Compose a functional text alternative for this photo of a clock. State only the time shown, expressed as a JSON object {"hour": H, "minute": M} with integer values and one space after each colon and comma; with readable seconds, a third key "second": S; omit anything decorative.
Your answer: {"hour": 4, "minute": 5}
